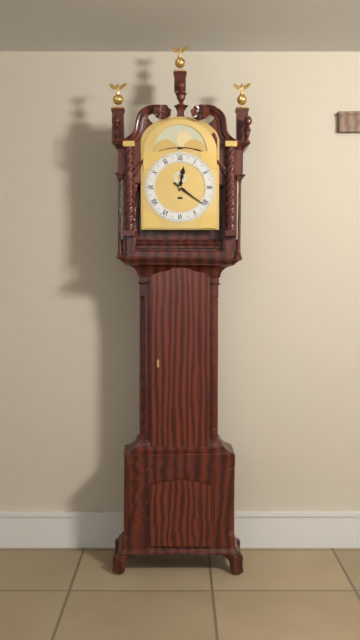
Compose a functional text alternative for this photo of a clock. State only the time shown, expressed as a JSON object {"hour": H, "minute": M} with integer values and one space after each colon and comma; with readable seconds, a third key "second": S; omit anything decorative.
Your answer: {"hour": 12, "minute": 21}
